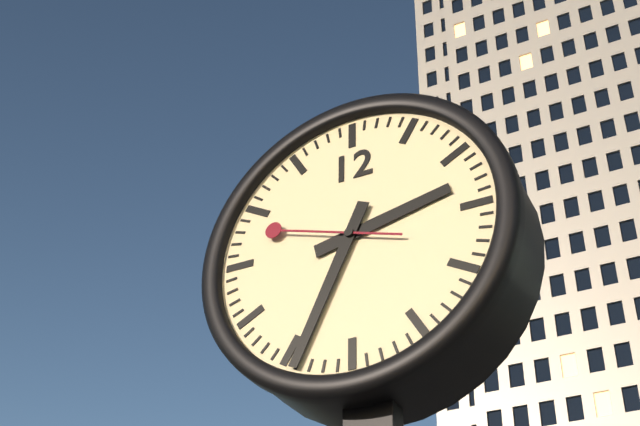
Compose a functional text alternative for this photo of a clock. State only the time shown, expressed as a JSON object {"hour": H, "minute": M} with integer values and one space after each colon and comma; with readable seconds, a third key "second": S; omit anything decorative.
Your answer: {"hour": 2, "minute": 34, "second": 48}
